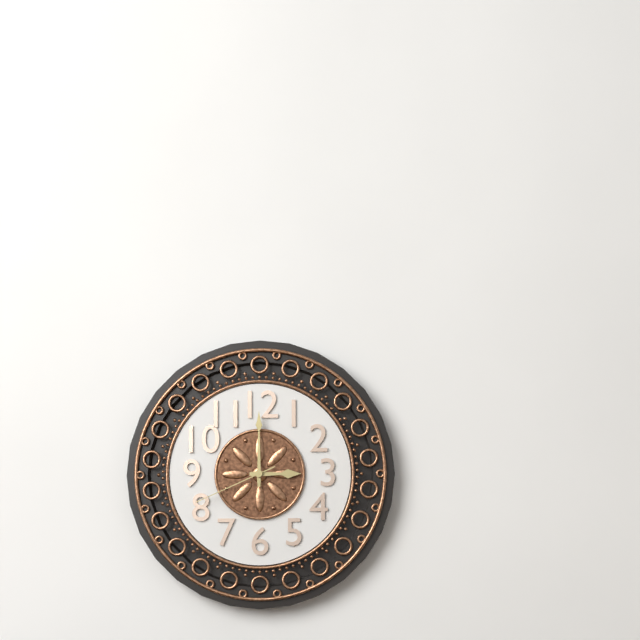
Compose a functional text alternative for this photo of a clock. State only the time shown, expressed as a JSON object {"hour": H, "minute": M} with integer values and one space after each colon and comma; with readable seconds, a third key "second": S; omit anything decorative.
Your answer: {"hour": 3, "minute": 0, "second": 41}
